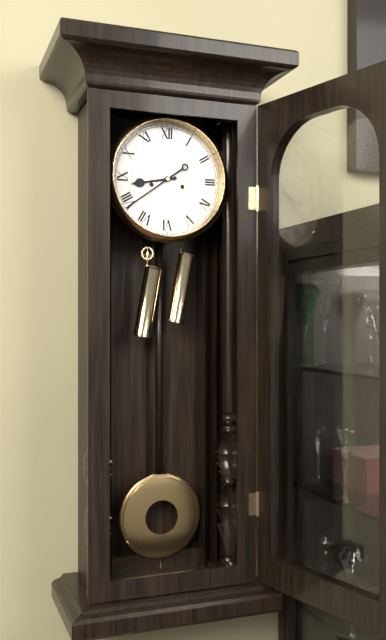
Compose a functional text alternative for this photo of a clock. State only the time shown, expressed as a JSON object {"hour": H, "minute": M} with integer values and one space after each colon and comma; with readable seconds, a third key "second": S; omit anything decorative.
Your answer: {"hour": 8, "minute": 39}
